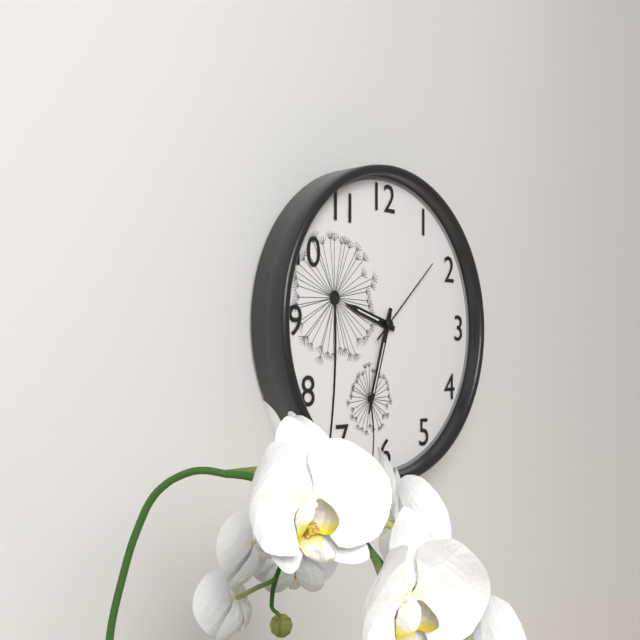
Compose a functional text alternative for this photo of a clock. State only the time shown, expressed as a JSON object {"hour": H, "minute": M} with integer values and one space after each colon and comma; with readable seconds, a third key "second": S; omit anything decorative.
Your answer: {"hour": 9, "minute": 33, "second": 8}
